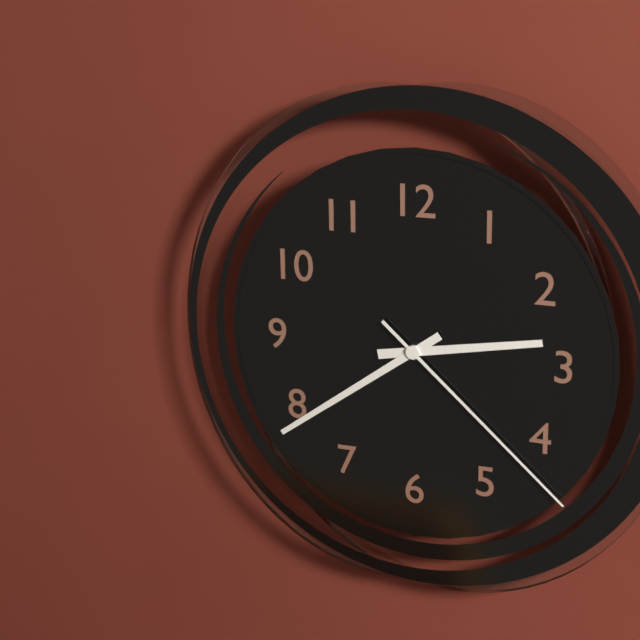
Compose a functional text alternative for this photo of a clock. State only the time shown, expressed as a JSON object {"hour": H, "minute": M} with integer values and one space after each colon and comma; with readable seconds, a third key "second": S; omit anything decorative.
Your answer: {"hour": 2, "minute": 39, "second": 22}
